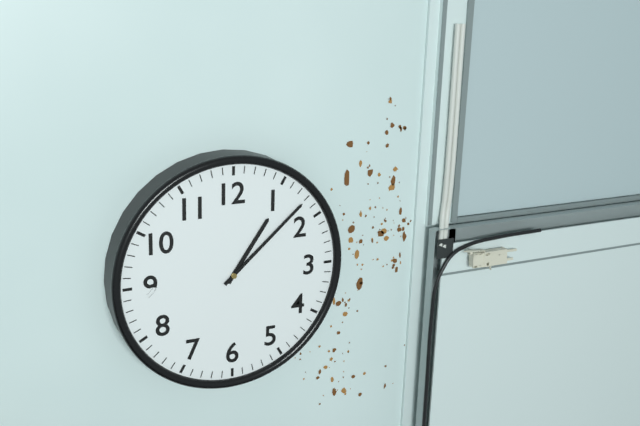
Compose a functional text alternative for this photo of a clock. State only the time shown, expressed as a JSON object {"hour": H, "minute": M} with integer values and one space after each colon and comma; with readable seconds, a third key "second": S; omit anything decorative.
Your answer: {"hour": 1, "minute": 8}
